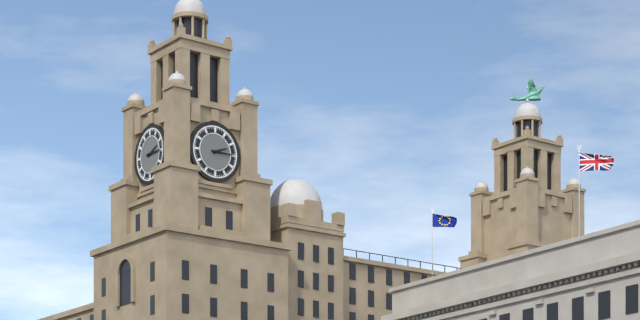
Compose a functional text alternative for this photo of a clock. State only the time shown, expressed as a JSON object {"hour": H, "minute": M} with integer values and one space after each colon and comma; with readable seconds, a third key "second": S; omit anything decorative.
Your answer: {"hour": 2, "minute": 15}
